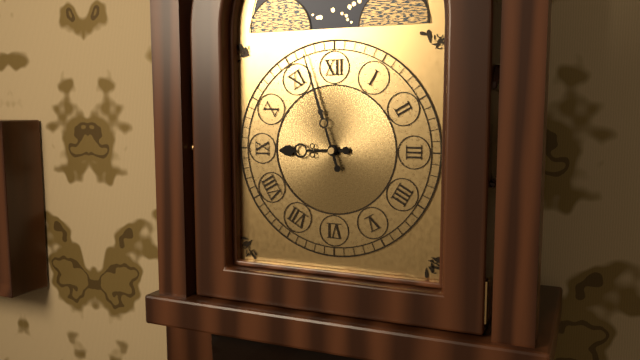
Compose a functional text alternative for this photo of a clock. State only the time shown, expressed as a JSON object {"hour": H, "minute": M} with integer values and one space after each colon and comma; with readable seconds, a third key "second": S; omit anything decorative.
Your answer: {"hour": 8, "minute": 57}
